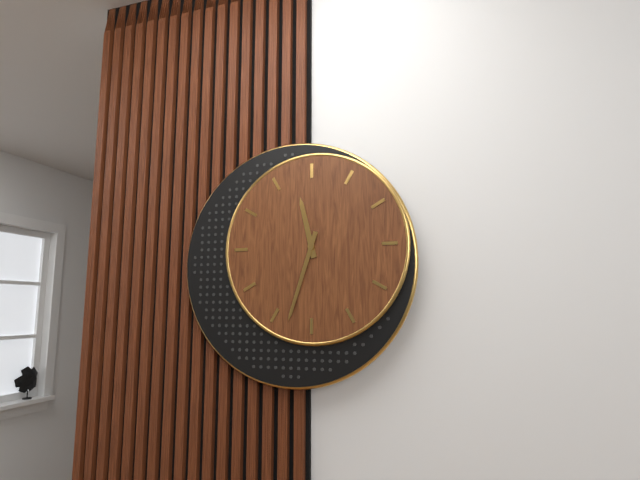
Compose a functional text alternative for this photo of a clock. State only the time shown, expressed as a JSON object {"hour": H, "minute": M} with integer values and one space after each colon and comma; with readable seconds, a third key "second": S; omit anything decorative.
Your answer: {"hour": 11, "minute": 33}
